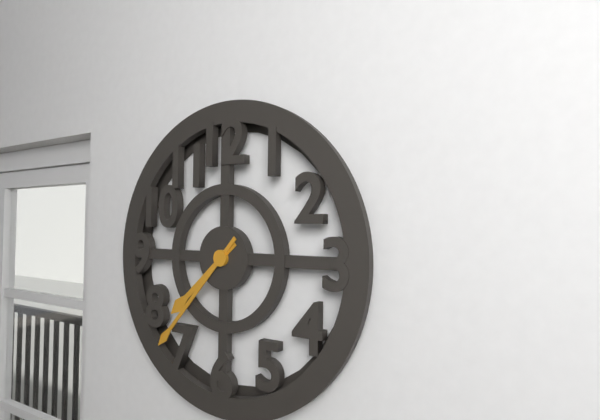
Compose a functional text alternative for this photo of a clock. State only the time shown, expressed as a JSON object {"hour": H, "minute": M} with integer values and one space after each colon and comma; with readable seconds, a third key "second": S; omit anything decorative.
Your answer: {"hour": 7, "minute": 37}
